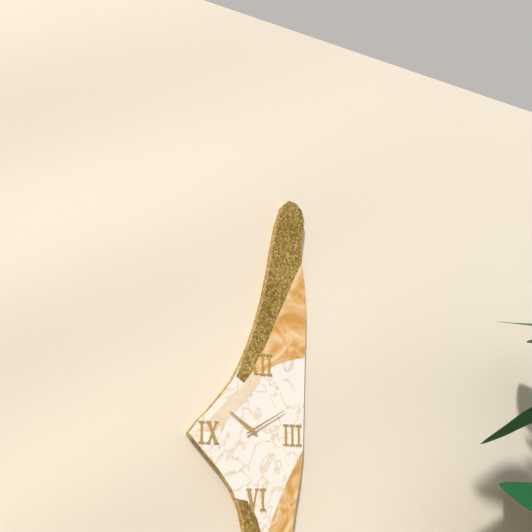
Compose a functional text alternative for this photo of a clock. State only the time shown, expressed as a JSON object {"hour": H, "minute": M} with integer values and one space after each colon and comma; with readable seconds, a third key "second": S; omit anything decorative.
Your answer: {"hour": 10, "minute": 10}
